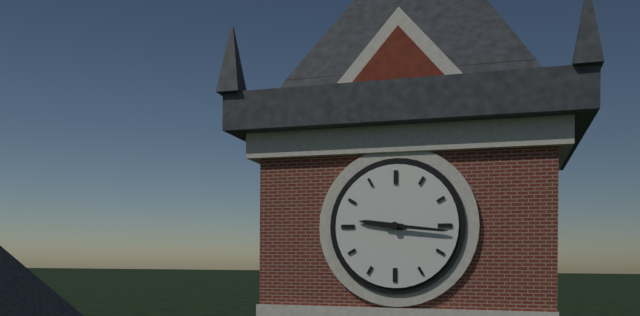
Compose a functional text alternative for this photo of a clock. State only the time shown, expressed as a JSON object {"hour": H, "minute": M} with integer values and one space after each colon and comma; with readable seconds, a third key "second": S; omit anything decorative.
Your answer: {"hour": 9, "minute": 16}
